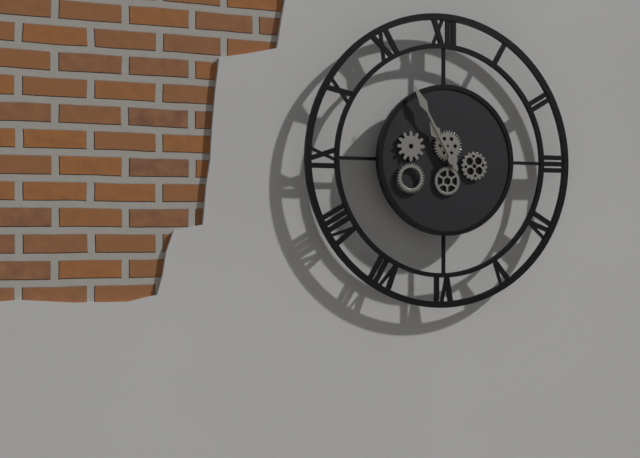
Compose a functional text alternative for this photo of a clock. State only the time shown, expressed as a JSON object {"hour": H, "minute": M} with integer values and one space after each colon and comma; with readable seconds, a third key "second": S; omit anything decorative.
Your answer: {"hour": 10, "minute": 55}
